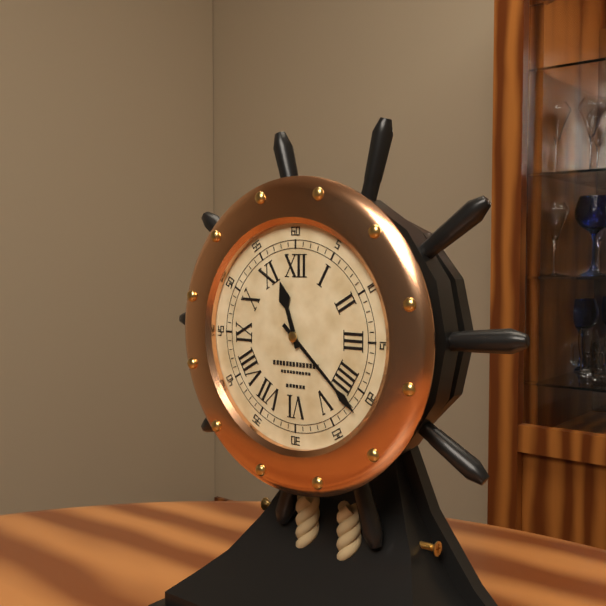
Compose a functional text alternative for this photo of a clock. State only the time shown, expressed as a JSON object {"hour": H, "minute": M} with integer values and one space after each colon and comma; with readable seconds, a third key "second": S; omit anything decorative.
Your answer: {"hour": 11, "minute": 22}
